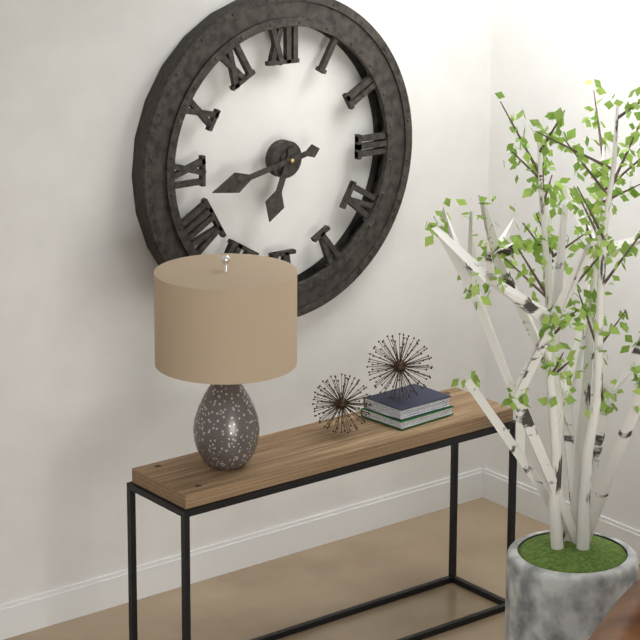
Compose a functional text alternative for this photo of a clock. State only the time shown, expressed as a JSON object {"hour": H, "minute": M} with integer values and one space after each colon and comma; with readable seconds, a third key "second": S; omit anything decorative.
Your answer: {"hour": 6, "minute": 43}
